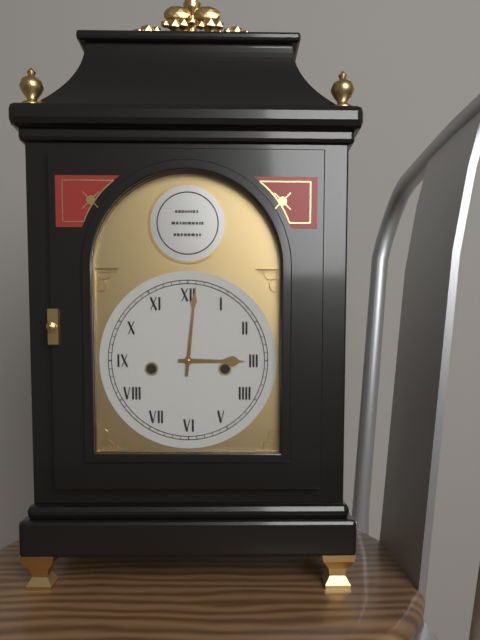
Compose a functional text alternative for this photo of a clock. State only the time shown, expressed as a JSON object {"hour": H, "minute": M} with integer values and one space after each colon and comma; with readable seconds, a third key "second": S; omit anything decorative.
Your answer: {"hour": 3, "minute": 1}
